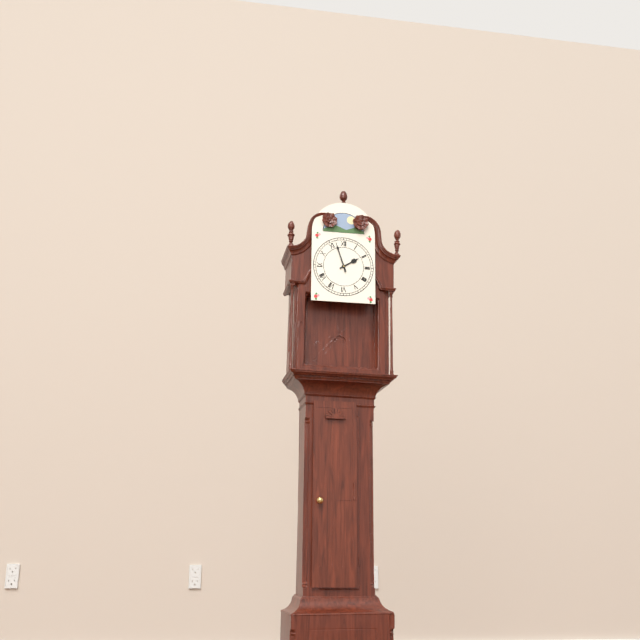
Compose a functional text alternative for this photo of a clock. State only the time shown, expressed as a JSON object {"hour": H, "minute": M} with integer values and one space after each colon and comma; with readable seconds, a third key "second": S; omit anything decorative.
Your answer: {"hour": 1, "minute": 57}
